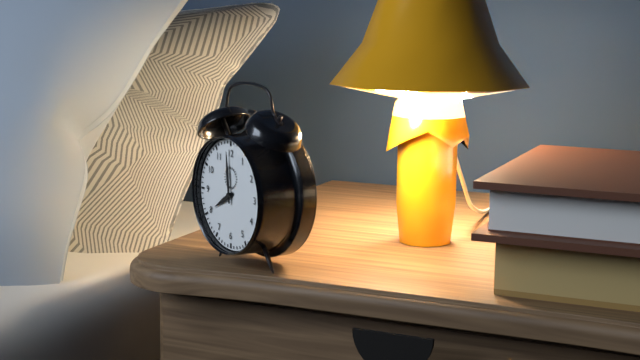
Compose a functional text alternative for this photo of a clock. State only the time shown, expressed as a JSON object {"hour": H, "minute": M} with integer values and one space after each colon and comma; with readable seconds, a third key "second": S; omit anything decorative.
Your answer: {"hour": 7, "minute": 59}
